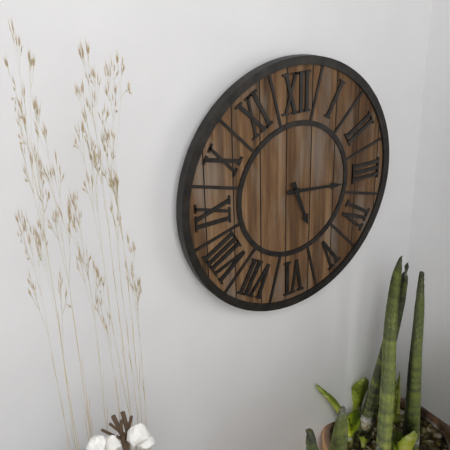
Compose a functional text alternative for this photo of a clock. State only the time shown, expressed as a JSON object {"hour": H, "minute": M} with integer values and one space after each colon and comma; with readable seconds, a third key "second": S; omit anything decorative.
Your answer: {"hour": 5, "minute": 16}
